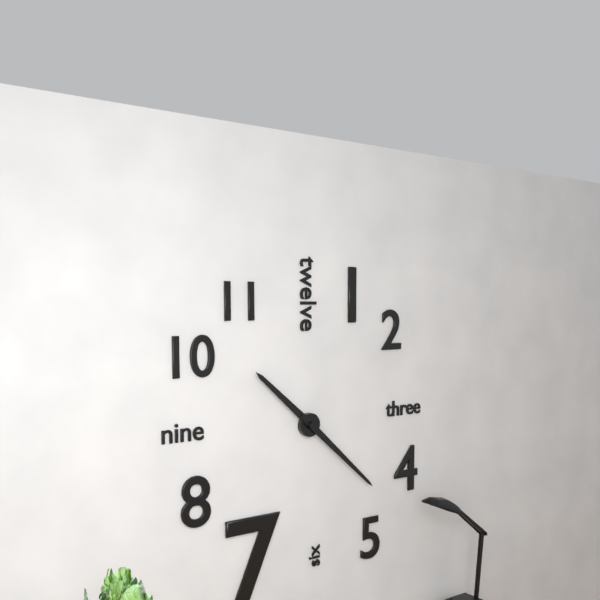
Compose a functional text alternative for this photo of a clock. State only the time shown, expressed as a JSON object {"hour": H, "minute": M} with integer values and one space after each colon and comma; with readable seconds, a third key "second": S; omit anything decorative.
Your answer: {"hour": 10, "minute": 22}
